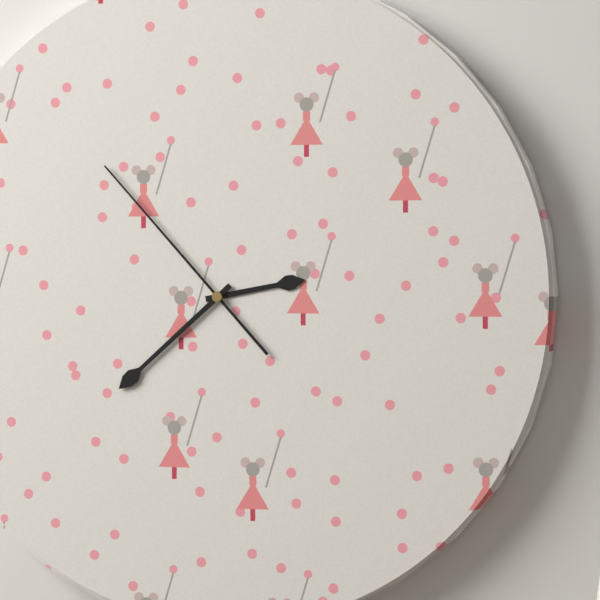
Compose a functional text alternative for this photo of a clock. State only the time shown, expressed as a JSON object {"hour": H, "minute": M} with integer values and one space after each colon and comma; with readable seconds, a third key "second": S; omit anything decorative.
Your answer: {"hour": 2, "minute": 38, "second": 53}
